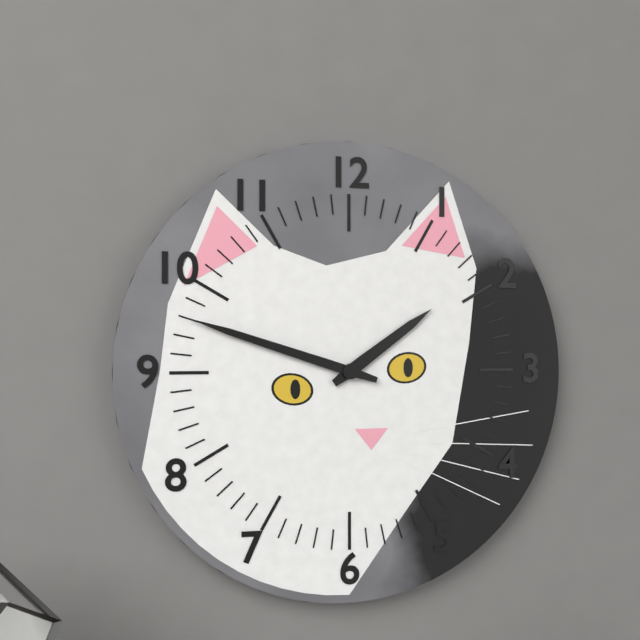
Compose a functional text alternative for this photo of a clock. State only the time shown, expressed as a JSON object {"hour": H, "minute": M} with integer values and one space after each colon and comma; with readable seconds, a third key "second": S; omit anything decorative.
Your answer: {"hour": 1, "minute": 48}
